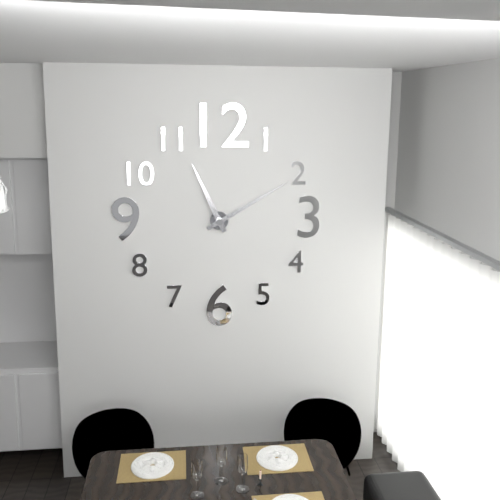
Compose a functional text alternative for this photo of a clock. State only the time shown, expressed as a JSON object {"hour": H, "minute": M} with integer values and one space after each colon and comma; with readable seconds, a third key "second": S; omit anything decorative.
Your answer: {"hour": 11, "minute": 10}
